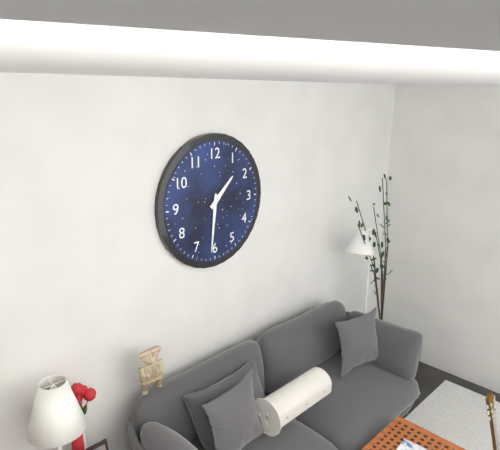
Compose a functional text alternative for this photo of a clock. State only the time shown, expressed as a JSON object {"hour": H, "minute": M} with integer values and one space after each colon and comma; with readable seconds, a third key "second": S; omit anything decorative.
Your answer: {"hour": 1, "minute": 31}
